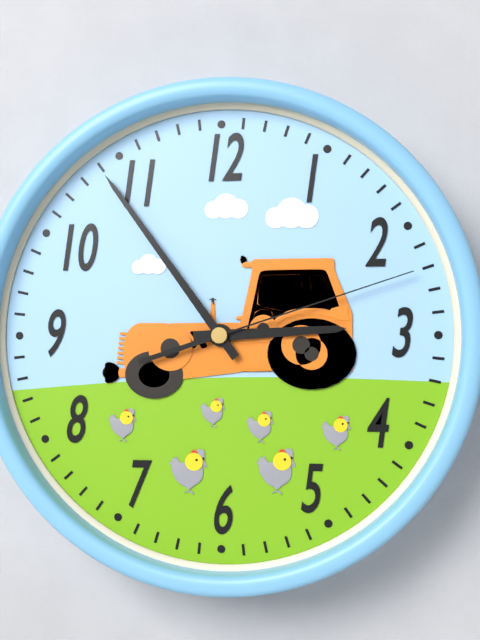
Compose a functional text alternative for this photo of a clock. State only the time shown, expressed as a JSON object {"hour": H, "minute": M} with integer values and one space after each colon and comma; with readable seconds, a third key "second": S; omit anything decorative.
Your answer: {"hour": 2, "minute": 54, "second": 12}
